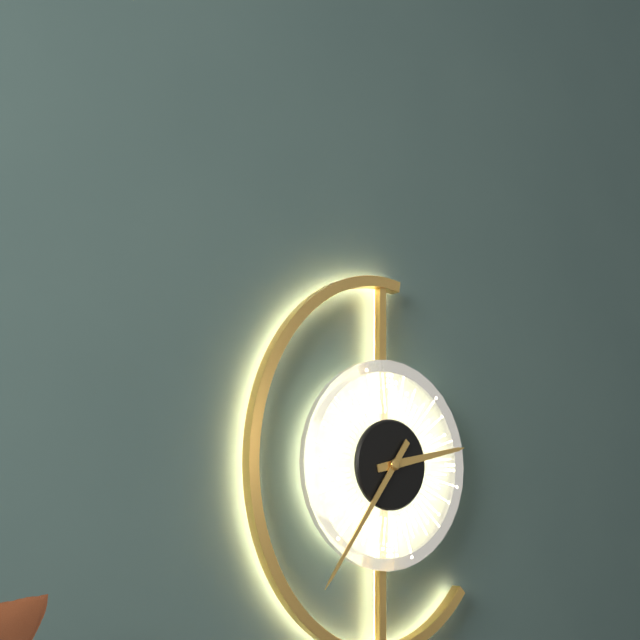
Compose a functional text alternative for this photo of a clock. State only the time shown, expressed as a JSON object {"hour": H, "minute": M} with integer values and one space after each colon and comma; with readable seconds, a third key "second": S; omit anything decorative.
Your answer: {"hour": 2, "minute": 36}
